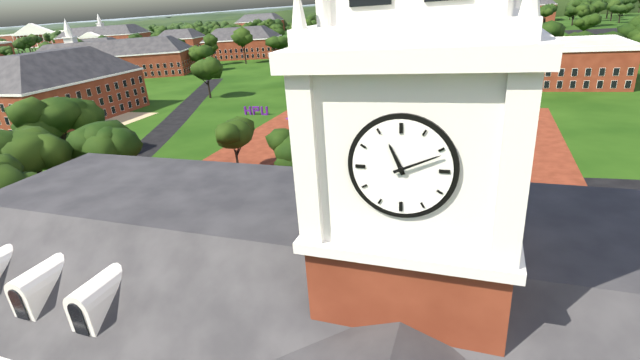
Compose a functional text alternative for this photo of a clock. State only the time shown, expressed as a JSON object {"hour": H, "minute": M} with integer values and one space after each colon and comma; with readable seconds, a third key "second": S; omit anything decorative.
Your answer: {"hour": 11, "minute": 11}
